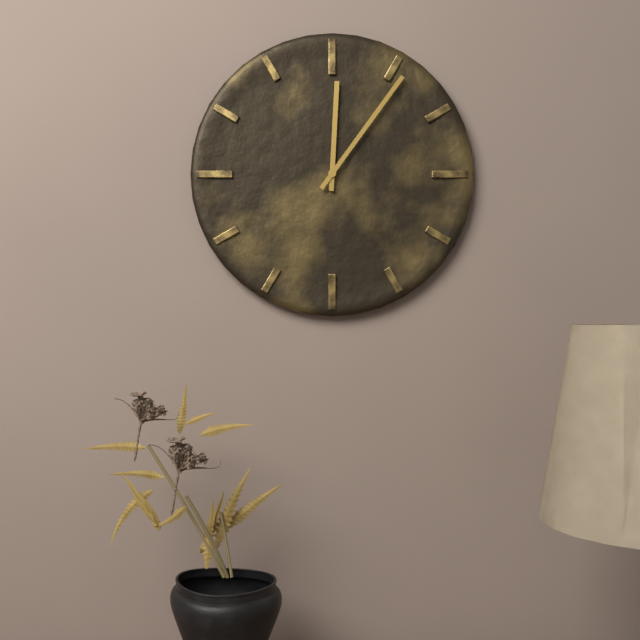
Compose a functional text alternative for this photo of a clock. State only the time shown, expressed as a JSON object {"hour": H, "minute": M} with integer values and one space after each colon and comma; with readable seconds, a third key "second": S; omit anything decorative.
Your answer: {"hour": 12, "minute": 6}
